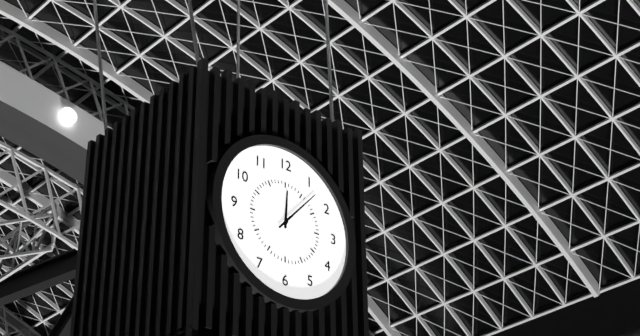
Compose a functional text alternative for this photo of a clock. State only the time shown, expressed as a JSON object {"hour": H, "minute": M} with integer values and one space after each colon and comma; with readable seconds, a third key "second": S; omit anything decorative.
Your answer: {"hour": 12, "minute": 7}
